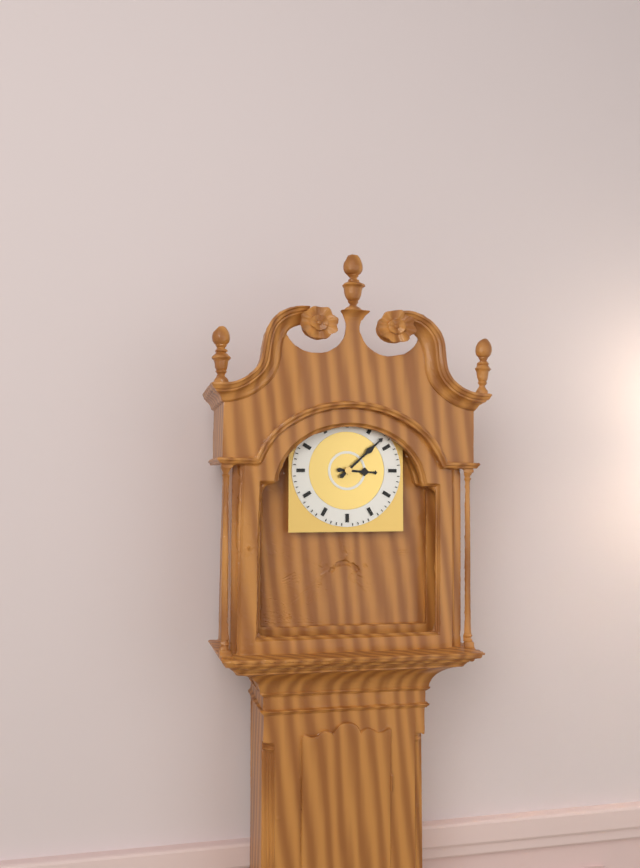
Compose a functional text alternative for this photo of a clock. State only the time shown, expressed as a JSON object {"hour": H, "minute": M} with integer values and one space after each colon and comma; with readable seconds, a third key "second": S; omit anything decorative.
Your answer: {"hour": 3, "minute": 8}
